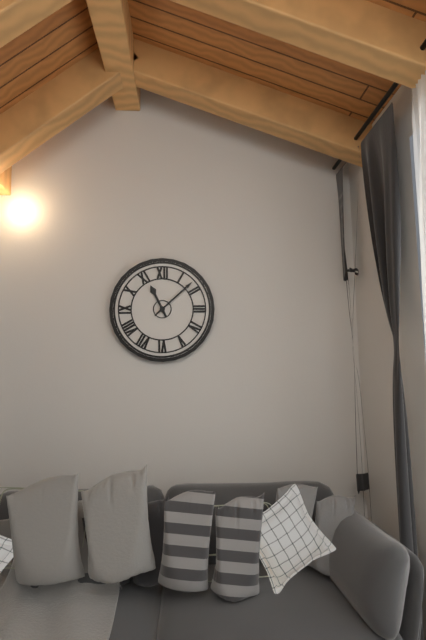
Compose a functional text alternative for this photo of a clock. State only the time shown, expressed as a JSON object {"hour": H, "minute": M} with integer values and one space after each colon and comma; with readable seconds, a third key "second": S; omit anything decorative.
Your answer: {"hour": 11, "minute": 8}
